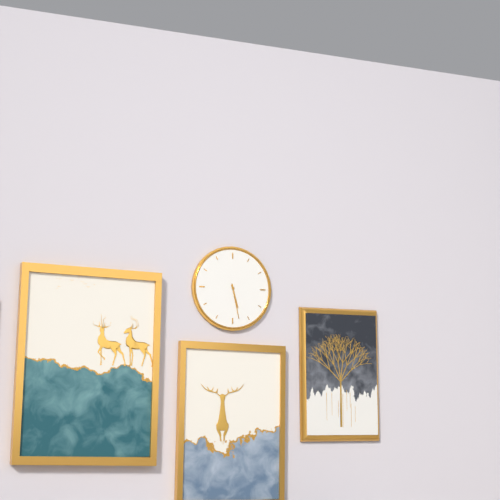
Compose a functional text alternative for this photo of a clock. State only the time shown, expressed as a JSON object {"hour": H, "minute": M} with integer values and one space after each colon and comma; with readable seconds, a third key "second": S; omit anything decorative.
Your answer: {"hour": 5, "minute": 28}
